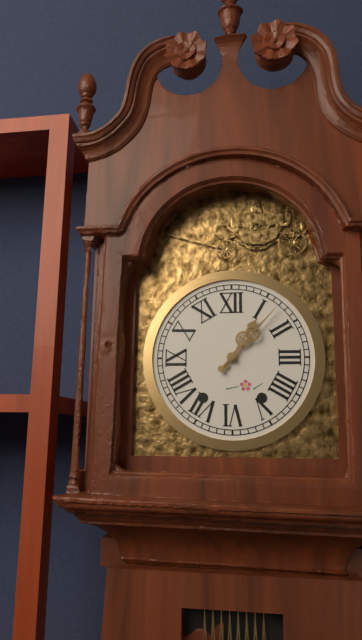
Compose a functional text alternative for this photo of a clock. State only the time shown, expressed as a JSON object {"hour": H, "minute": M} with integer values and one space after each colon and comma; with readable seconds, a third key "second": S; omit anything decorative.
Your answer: {"hour": 1, "minute": 7}
